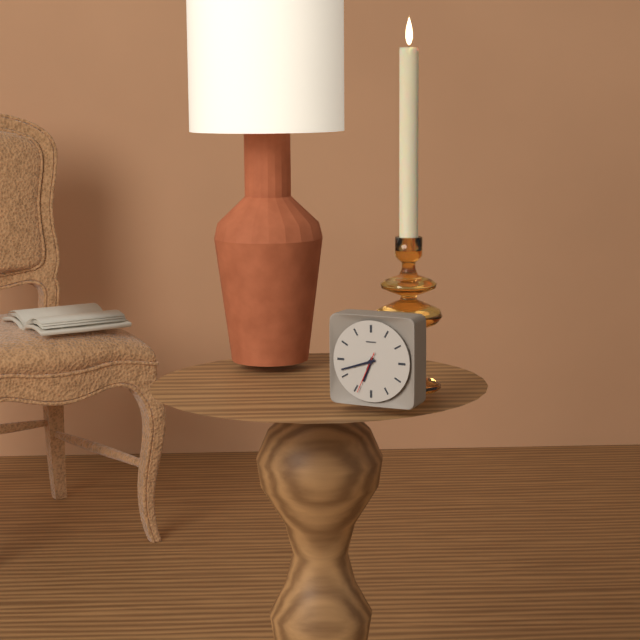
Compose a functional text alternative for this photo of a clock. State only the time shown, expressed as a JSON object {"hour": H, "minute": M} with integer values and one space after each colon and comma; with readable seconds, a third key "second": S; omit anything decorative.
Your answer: {"hour": 6, "minute": 42, "second": 34}
